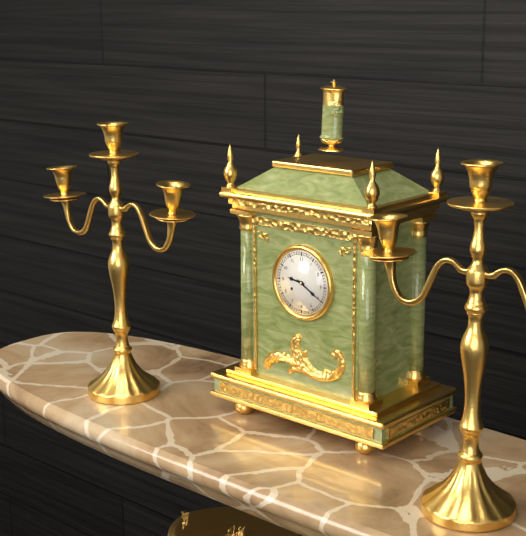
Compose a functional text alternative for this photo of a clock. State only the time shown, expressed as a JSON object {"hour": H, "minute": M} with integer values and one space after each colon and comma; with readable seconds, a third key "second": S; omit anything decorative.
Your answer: {"hour": 9, "minute": 20}
